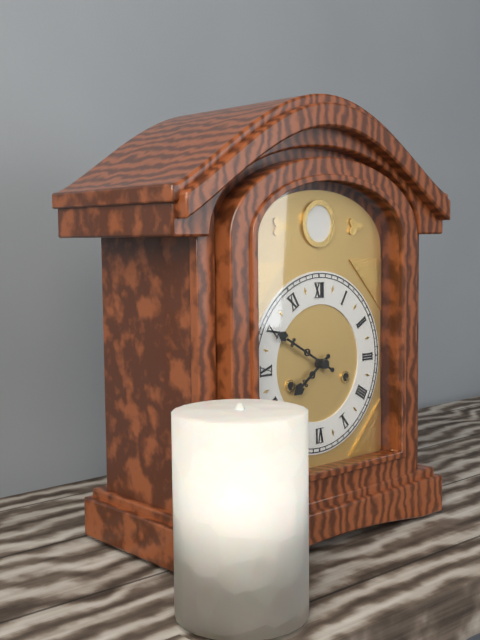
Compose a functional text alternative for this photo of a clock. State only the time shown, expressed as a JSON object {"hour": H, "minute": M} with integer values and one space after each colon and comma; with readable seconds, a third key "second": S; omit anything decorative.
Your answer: {"hour": 7, "minute": 50}
